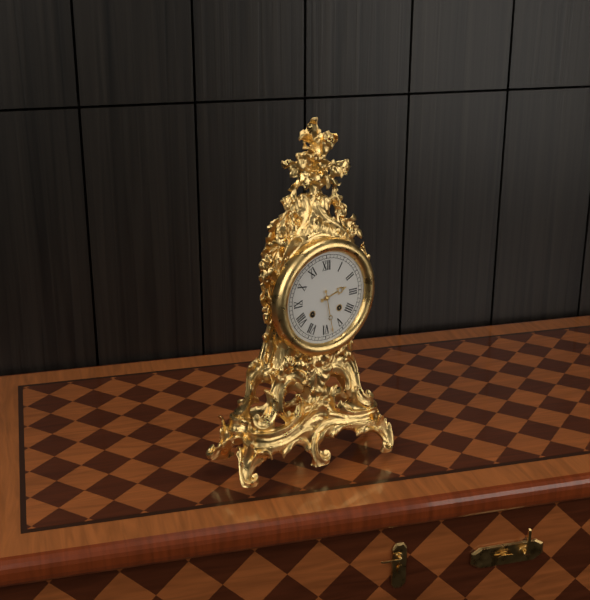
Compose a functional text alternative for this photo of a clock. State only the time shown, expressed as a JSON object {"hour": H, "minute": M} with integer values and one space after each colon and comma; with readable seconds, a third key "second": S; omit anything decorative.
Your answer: {"hour": 2, "minute": 28}
